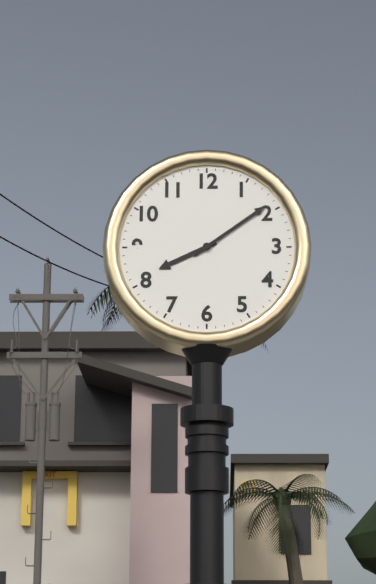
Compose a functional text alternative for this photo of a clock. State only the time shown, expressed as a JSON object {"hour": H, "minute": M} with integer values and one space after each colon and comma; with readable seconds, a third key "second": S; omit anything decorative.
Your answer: {"hour": 8, "minute": 9}
